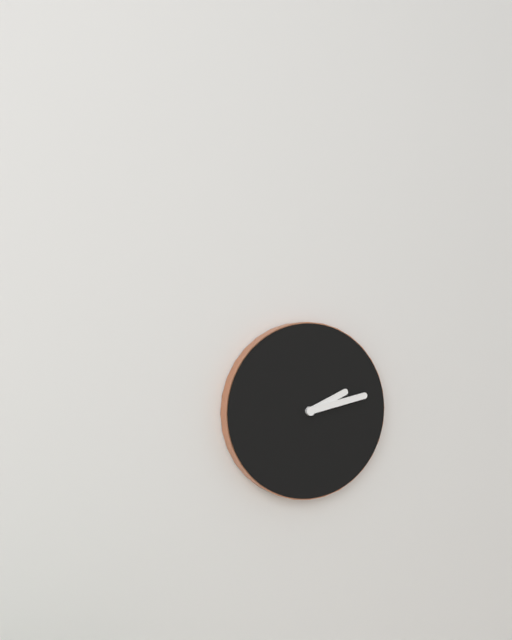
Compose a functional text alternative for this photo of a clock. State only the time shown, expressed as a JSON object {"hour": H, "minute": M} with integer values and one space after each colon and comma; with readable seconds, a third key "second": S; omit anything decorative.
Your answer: {"hour": 2, "minute": 13}
